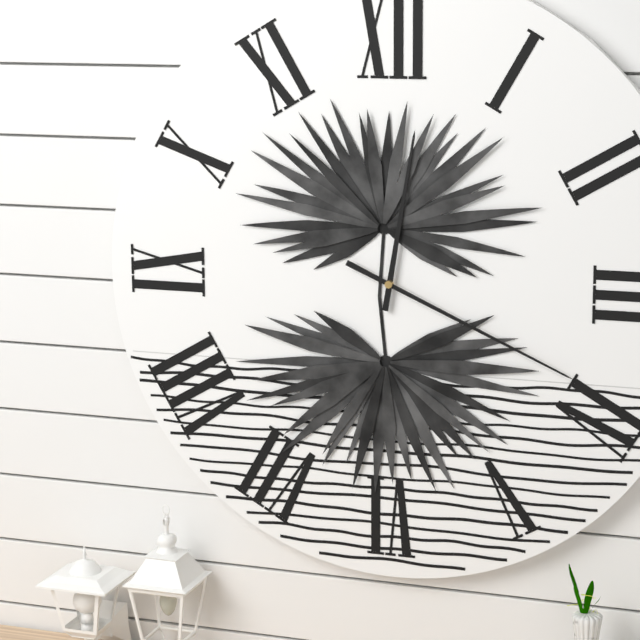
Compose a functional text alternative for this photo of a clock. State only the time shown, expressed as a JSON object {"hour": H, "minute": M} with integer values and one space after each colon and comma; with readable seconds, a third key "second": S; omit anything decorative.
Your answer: {"hour": 12, "minute": 19}
